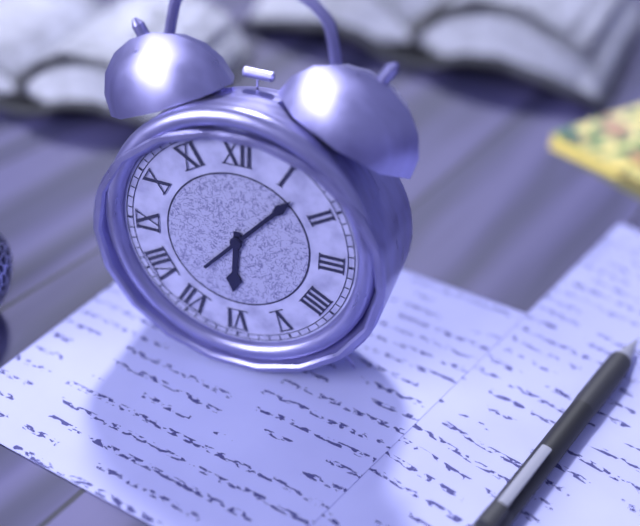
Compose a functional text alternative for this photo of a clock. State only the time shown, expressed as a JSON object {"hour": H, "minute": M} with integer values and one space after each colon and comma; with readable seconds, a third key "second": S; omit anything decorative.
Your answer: {"hour": 6, "minute": 7}
